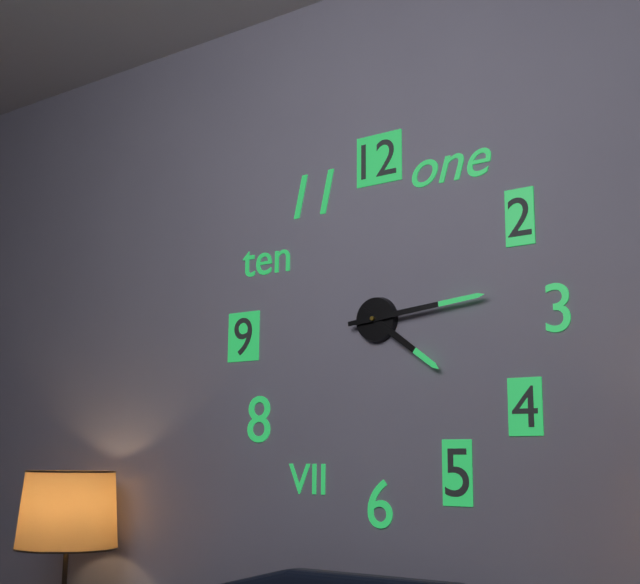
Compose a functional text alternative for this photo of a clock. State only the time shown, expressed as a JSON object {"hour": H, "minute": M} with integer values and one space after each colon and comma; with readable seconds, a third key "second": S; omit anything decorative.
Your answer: {"hour": 4, "minute": 14}
